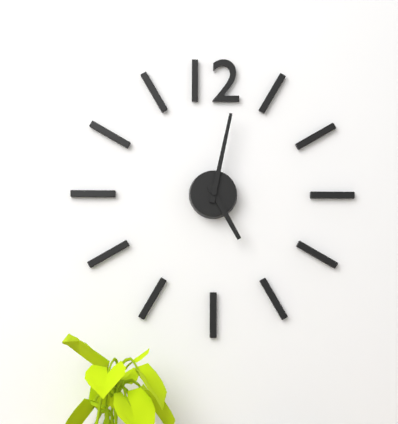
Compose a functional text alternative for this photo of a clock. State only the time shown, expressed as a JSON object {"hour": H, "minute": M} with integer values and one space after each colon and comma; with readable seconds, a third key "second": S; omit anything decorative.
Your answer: {"hour": 5, "minute": 2}
